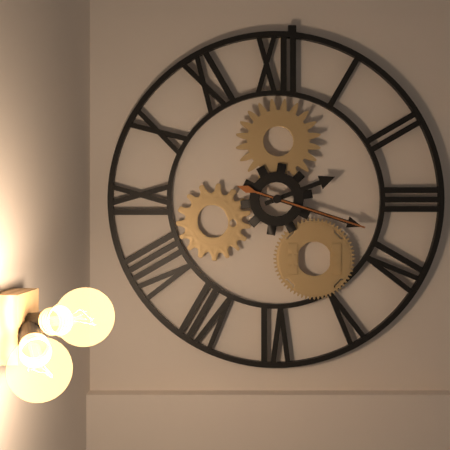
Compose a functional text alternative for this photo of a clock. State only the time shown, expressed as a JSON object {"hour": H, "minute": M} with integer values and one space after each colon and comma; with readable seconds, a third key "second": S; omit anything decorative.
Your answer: {"hour": 2, "minute": 18, "second": 18}
